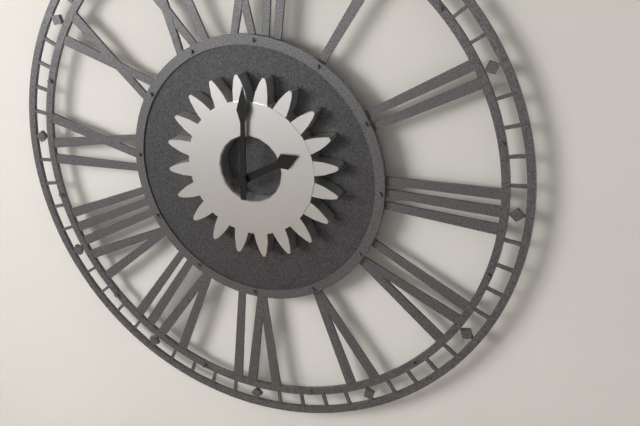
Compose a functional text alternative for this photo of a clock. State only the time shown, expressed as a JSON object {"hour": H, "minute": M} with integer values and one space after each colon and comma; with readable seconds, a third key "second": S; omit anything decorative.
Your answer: {"hour": 2, "minute": 0}
